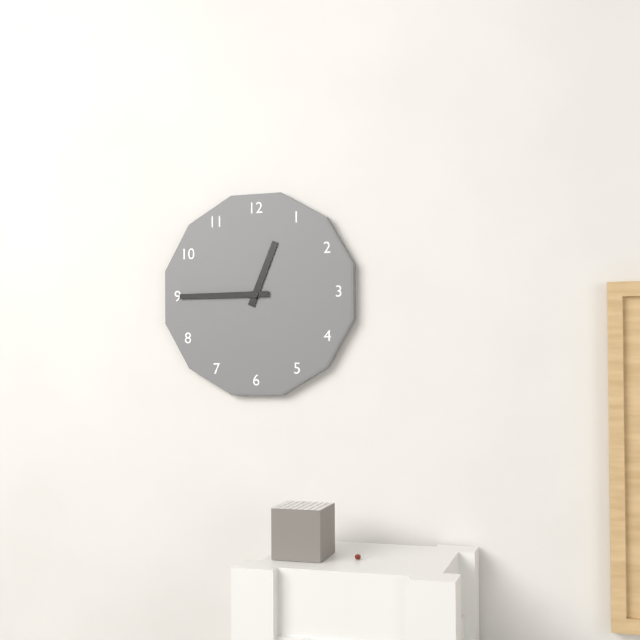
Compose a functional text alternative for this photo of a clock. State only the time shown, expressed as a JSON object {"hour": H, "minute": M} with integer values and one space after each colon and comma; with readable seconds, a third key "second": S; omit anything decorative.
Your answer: {"hour": 12, "minute": 45}
